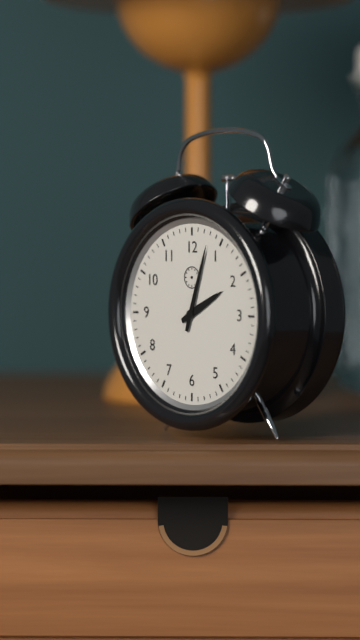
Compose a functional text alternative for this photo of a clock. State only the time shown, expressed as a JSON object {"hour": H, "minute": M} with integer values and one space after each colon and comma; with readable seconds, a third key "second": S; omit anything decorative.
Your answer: {"hour": 2, "minute": 3}
